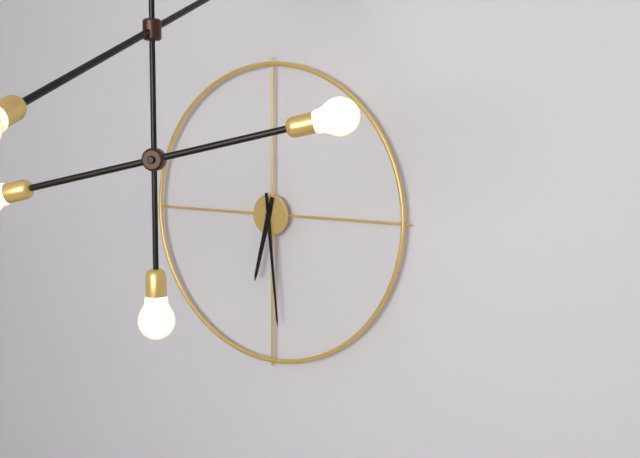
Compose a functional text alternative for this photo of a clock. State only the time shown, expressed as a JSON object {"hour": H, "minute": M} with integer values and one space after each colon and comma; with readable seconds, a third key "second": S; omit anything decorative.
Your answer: {"hour": 6, "minute": 29}
